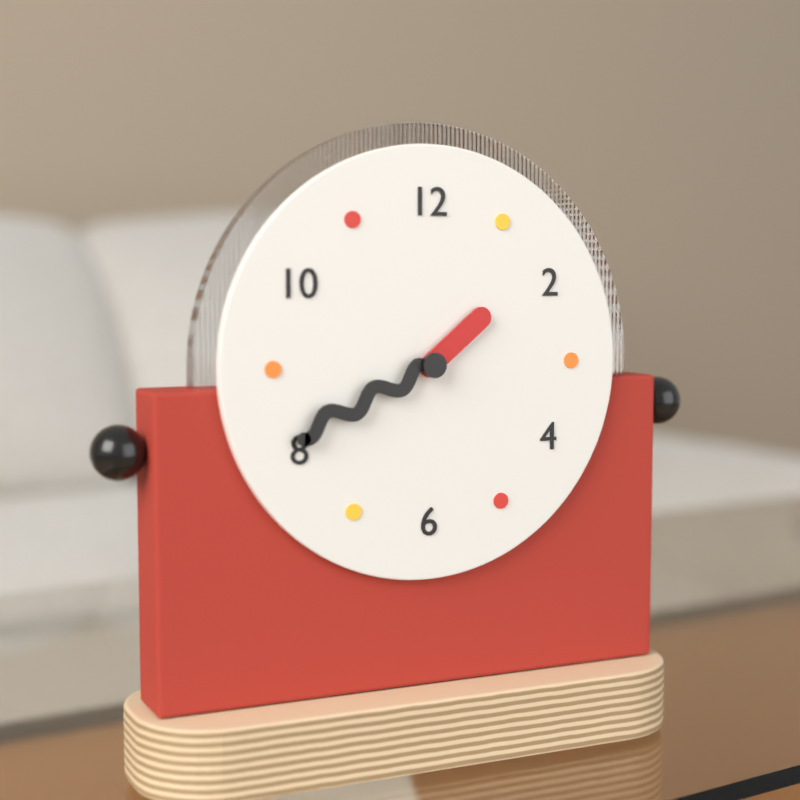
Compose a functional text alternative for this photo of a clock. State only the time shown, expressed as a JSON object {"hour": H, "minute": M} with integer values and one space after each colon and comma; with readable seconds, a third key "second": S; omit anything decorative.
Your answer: {"hour": 1, "minute": 41}
